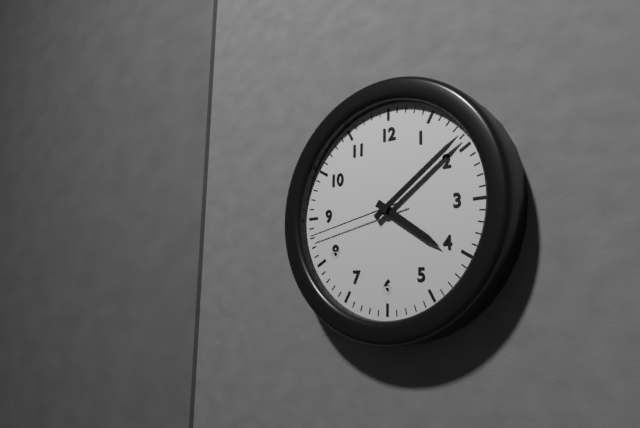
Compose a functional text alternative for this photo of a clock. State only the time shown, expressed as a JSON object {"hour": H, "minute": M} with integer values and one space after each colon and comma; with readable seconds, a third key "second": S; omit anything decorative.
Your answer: {"hour": 4, "minute": 9, "second": 43}
